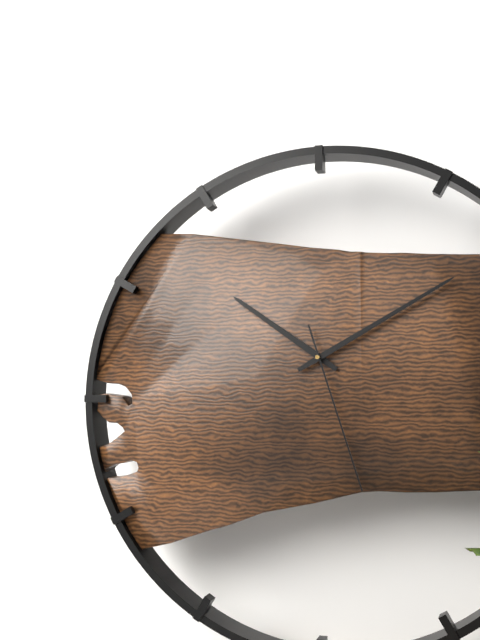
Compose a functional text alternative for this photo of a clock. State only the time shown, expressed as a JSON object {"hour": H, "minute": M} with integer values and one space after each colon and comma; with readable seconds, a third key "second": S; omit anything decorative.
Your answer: {"hour": 10, "minute": 10, "second": 27}
